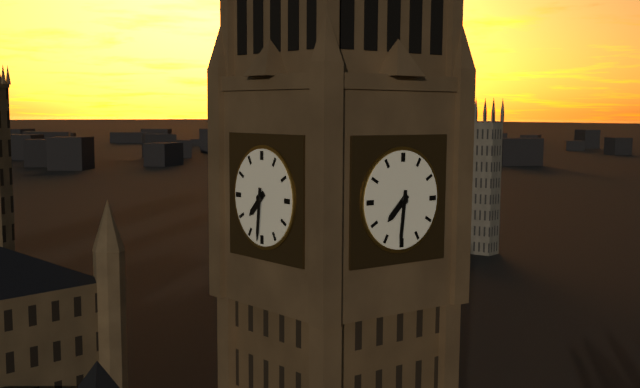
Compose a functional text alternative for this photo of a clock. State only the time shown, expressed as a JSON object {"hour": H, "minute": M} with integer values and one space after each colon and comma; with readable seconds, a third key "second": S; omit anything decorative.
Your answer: {"hour": 7, "minute": 31}
